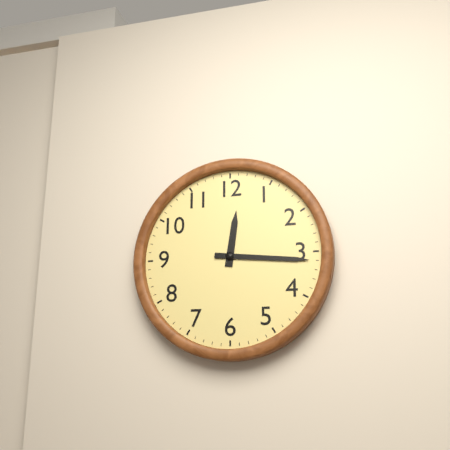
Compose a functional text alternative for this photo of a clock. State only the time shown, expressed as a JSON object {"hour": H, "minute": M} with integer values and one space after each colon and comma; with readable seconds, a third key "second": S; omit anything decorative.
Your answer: {"hour": 12, "minute": 16}
